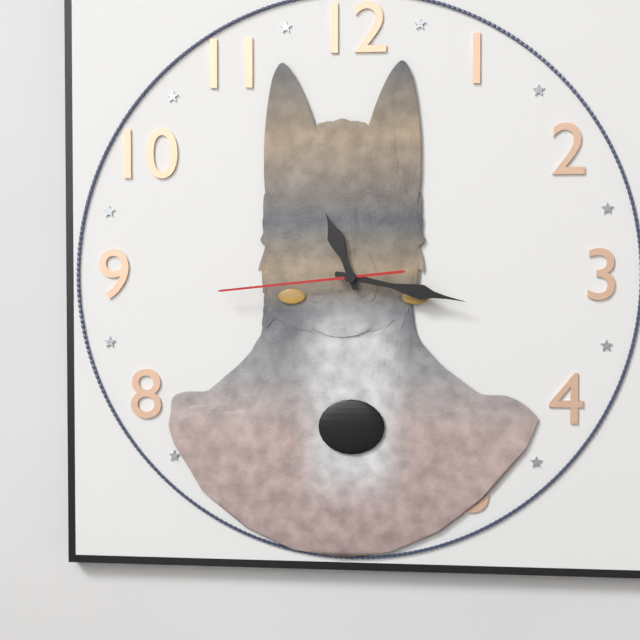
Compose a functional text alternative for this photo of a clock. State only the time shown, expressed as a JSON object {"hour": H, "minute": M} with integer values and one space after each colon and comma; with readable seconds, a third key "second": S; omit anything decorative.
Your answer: {"hour": 11, "minute": 17, "second": 44}
